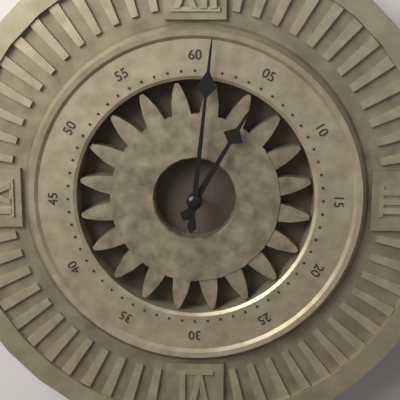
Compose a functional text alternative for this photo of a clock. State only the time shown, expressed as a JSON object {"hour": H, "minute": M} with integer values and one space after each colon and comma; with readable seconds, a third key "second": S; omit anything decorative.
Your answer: {"hour": 1, "minute": 1}
